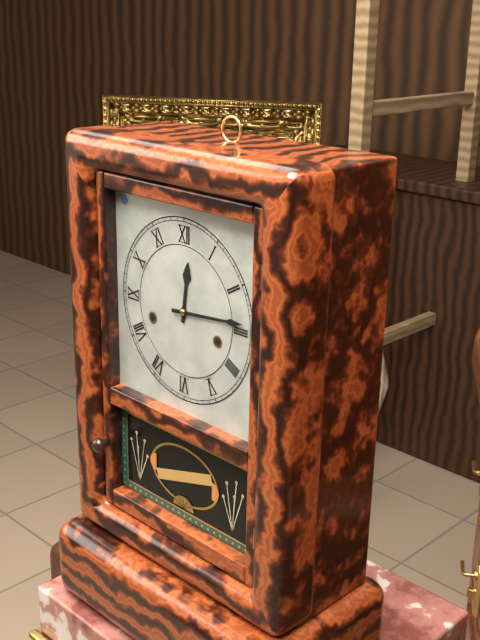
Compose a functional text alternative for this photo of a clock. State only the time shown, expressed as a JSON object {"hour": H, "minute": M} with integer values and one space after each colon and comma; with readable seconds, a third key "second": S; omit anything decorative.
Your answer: {"hour": 12, "minute": 14}
